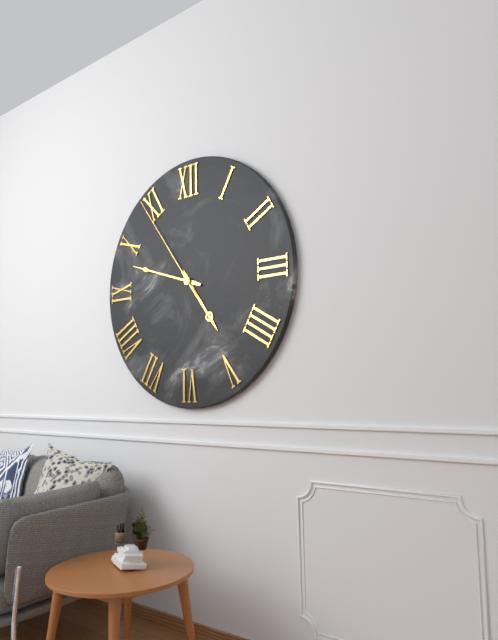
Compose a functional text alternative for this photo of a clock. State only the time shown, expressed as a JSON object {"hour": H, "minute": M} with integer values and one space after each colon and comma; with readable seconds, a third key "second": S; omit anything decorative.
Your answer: {"hour": 4, "minute": 48, "second": 54}
